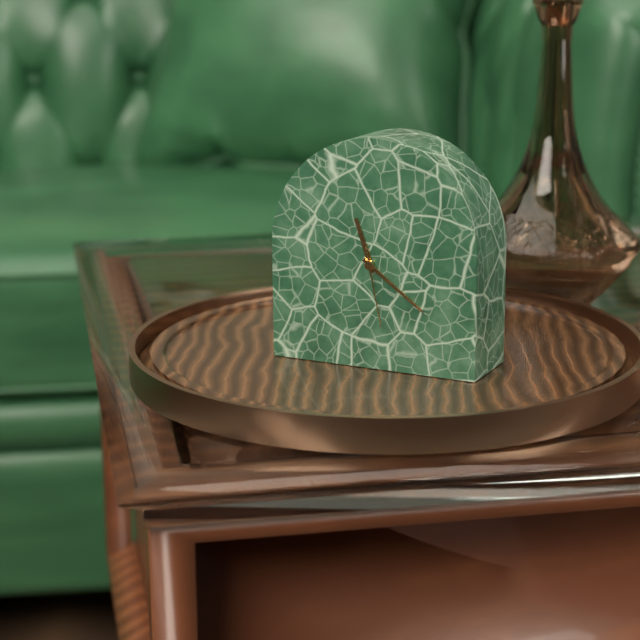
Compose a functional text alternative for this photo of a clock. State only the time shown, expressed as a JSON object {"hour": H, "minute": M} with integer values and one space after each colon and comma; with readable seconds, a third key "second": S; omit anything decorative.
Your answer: {"hour": 11, "minute": 21, "second": 28}
